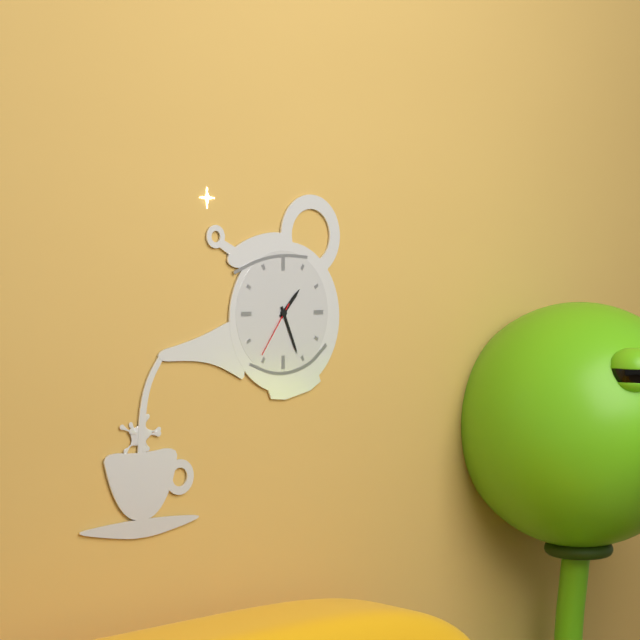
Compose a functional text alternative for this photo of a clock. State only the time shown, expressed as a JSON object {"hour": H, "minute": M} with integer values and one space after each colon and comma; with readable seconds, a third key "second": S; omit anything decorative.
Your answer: {"hour": 1, "minute": 26, "second": 36}
